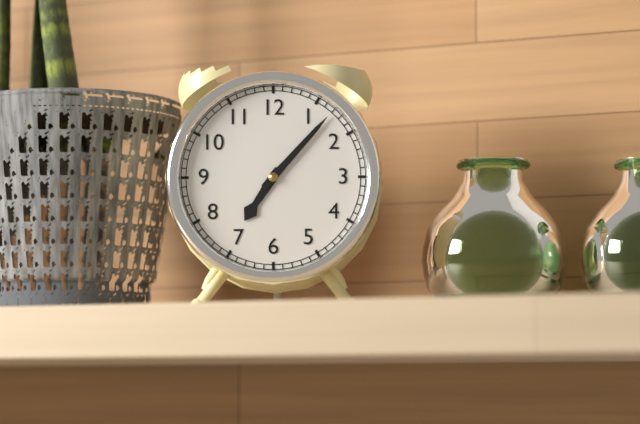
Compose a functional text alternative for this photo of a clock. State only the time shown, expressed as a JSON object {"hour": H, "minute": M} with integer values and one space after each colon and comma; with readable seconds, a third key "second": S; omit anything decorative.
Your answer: {"hour": 7, "minute": 7}
